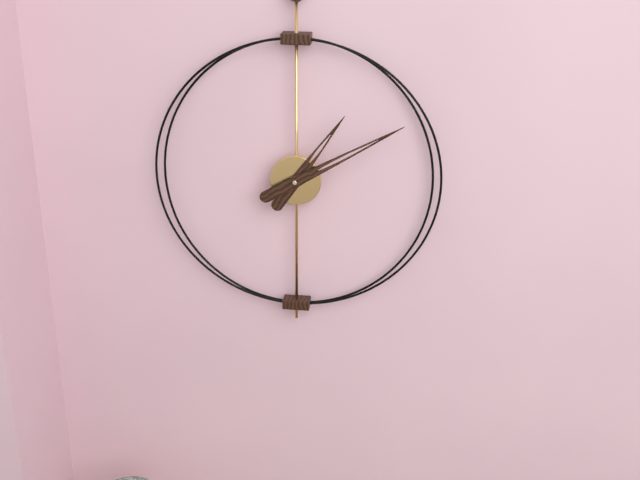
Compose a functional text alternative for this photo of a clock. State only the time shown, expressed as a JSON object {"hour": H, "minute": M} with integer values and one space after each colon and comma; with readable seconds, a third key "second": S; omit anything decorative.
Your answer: {"hour": 1, "minute": 10}
